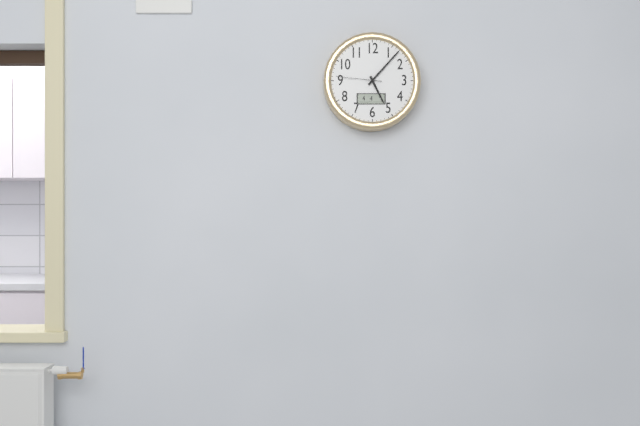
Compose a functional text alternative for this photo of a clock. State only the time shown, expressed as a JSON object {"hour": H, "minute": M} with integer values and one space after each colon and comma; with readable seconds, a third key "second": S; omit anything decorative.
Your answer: {"hour": 5, "minute": 7}
